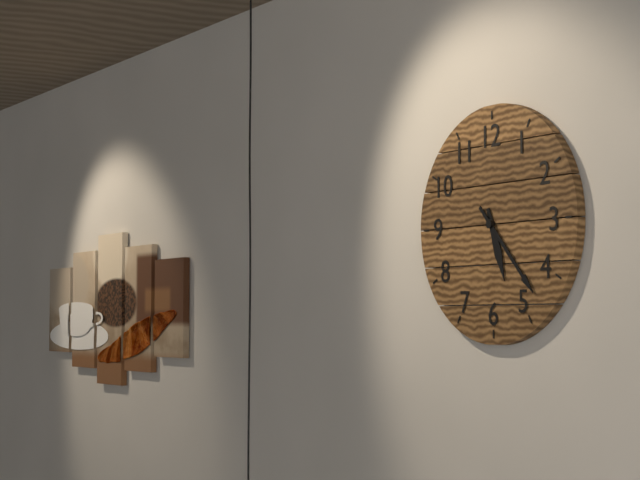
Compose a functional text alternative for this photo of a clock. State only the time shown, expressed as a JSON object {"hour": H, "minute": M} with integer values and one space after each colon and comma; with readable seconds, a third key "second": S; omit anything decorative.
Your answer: {"hour": 5, "minute": 23}
